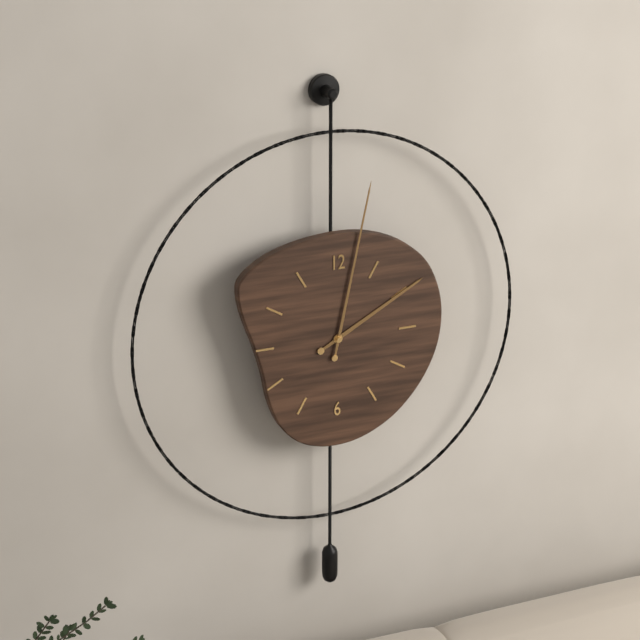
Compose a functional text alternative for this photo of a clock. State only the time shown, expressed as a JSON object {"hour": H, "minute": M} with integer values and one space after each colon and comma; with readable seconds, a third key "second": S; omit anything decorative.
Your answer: {"hour": 2, "minute": 2}
